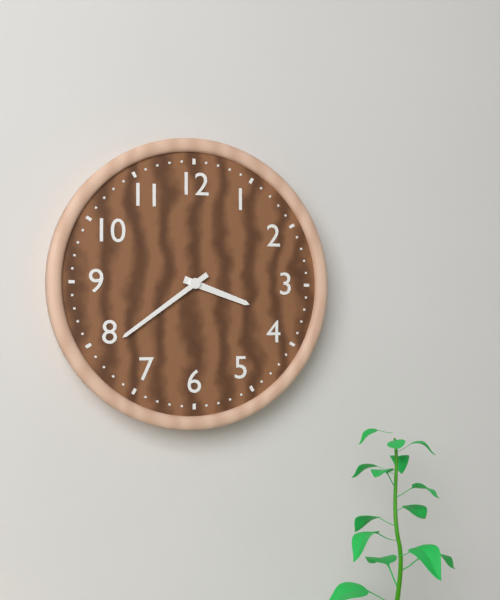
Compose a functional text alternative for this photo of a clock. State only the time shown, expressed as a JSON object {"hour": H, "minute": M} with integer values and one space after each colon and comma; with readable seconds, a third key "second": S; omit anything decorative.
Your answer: {"hour": 3, "minute": 39}
